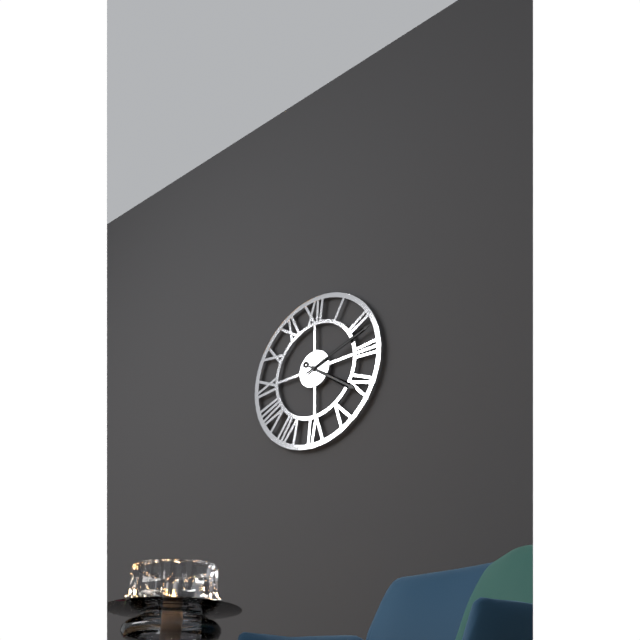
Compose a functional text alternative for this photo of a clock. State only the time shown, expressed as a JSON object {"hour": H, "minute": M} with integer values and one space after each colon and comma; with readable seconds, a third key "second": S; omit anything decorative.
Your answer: {"hour": 4, "minute": 12}
